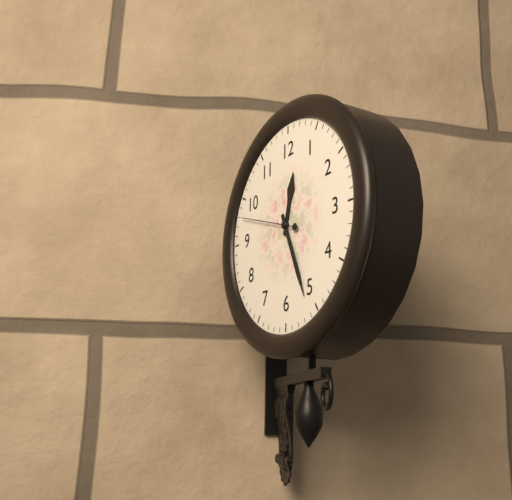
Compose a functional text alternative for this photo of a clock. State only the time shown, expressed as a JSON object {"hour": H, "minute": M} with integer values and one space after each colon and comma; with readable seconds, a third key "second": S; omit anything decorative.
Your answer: {"hour": 12, "minute": 26, "second": 48}
